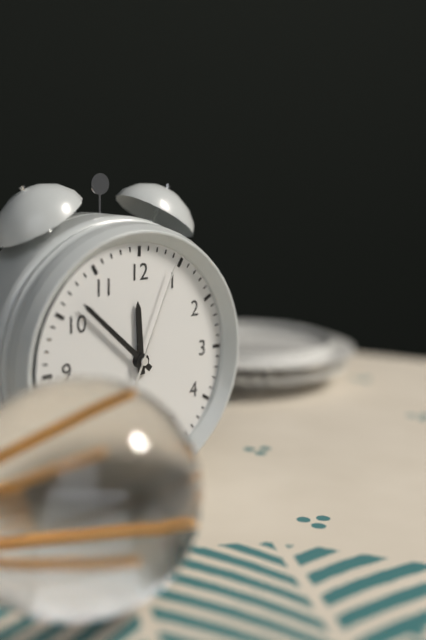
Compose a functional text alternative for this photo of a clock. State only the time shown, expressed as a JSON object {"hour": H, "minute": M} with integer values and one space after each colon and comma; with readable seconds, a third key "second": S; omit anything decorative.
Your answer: {"hour": 11, "minute": 52, "second": 4}
